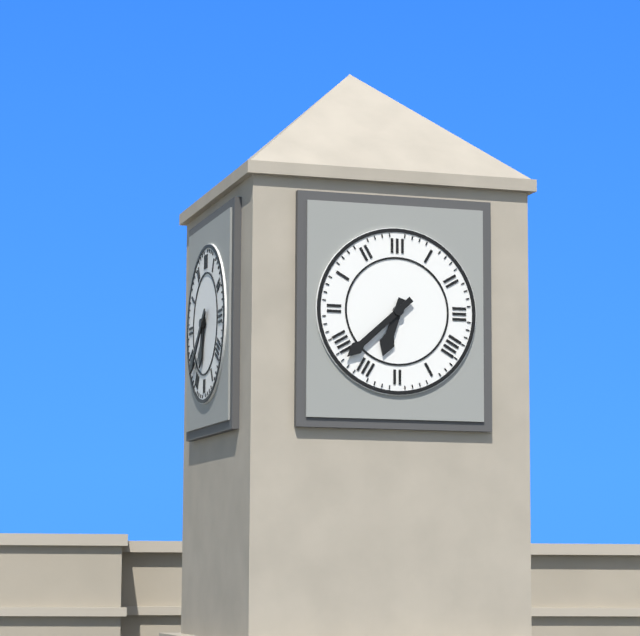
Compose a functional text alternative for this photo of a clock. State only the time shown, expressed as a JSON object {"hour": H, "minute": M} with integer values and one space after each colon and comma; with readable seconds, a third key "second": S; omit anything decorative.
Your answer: {"hour": 6, "minute": 38}
